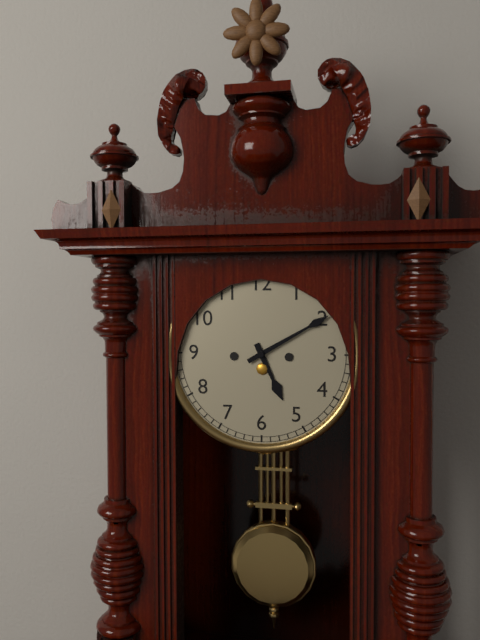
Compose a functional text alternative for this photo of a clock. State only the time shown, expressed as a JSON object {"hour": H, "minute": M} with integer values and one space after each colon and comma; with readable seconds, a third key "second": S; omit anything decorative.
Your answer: {"hour": 5, "minute": 10}
